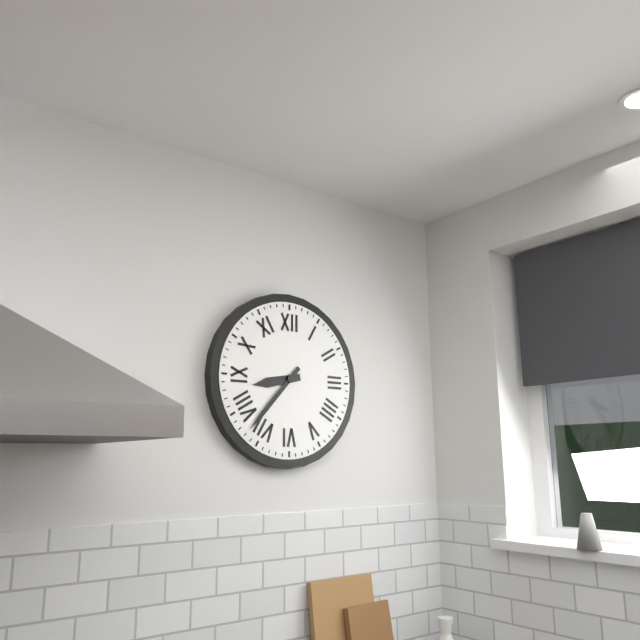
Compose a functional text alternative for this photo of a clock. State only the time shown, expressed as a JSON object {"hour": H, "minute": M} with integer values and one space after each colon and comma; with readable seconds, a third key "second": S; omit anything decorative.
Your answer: {"hour": 8, "minute": 37}
